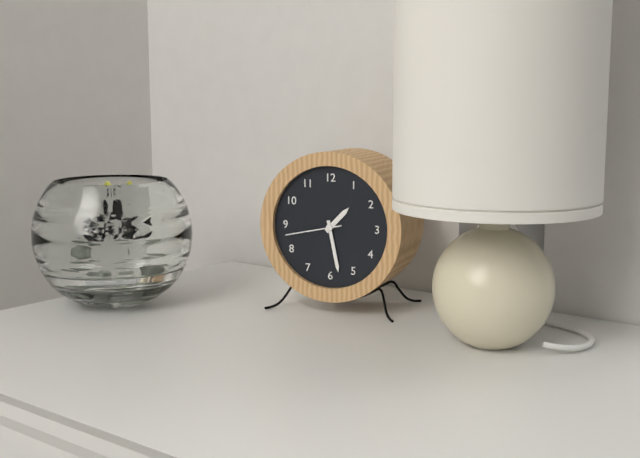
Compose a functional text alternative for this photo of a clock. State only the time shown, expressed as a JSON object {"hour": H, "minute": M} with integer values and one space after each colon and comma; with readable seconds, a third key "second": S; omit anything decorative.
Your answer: {"hour": 1, "minute": 28, "second": 43}
